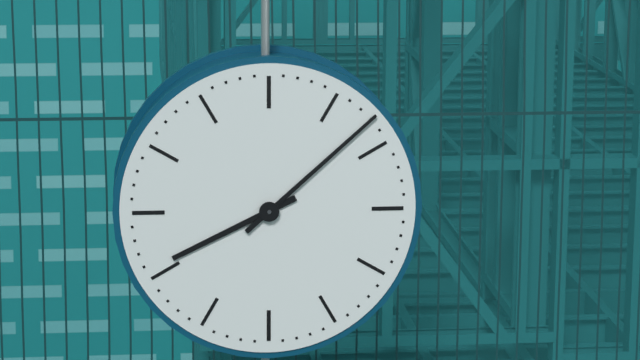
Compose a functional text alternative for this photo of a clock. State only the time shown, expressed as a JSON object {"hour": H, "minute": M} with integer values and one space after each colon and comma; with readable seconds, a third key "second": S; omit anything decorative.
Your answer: {"hour": 8, "minute": 8}
